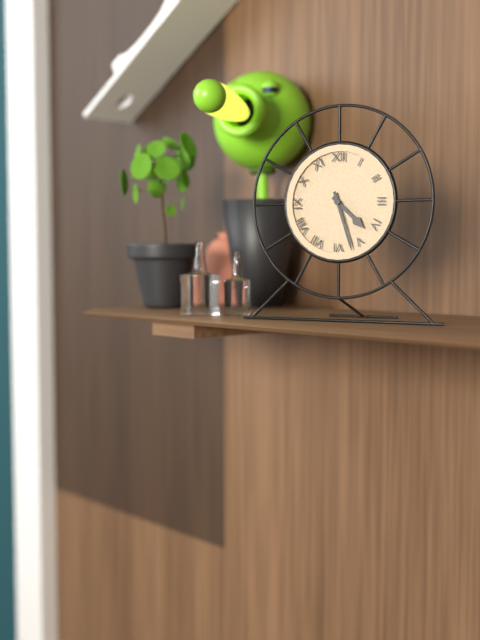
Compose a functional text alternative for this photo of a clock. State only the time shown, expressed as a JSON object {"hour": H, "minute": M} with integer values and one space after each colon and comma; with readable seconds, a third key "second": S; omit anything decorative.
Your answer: {"hour": 4, "minute": 27}
